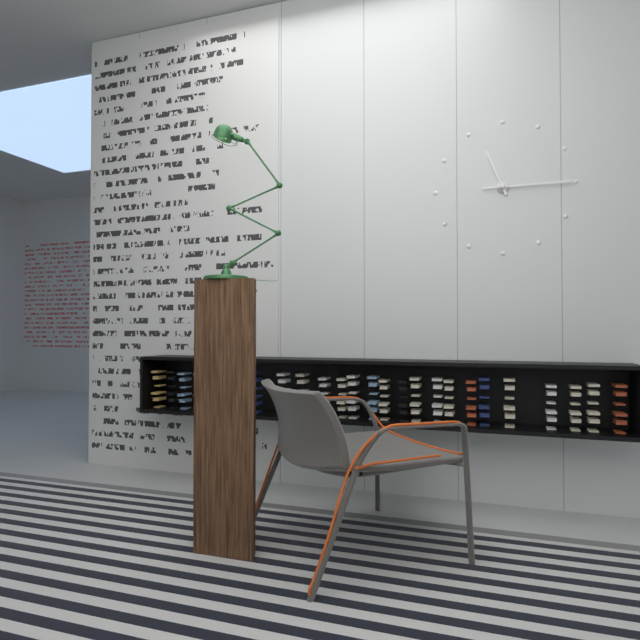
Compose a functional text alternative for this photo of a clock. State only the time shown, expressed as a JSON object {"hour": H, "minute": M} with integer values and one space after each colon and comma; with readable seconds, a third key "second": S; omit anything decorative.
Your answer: {"hour": 11, "minute": 15}
